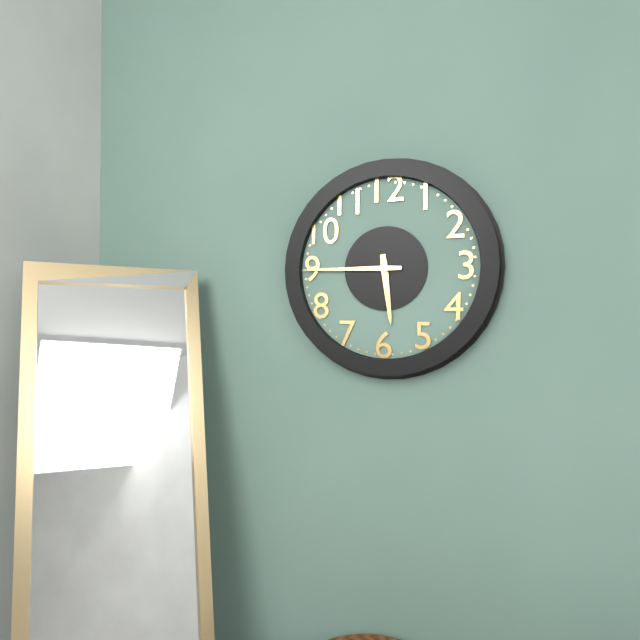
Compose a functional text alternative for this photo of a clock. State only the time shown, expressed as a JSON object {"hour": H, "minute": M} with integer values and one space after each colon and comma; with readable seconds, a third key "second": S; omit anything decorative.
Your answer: {"hour": 5, "minute": 45}
